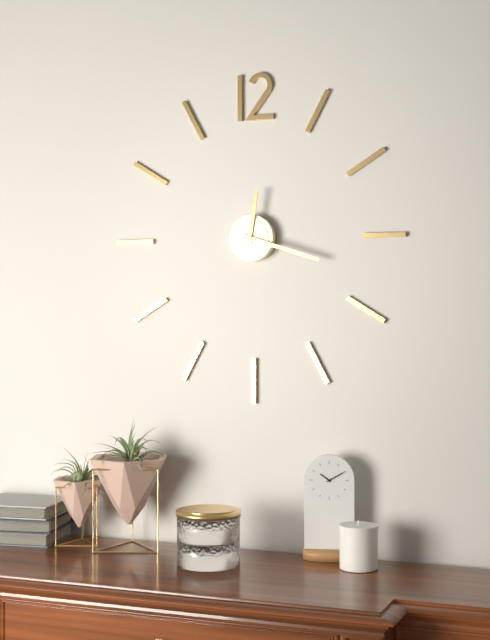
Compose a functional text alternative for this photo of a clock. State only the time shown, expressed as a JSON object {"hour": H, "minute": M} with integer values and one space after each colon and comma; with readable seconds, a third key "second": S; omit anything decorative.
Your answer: {"hour": 12, "minute": 18}
